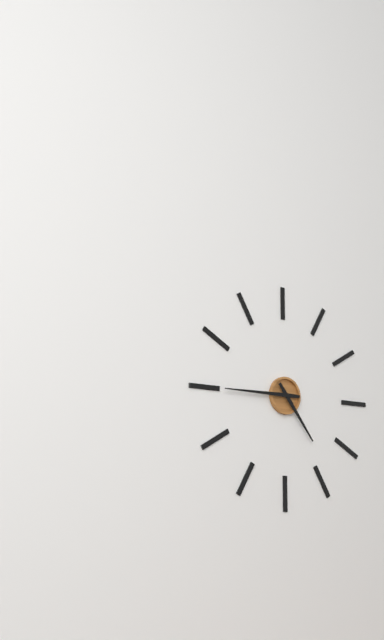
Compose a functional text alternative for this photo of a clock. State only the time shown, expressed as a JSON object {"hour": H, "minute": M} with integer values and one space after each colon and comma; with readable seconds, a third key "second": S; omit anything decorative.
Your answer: {"hour": 4, "minute": 45}
